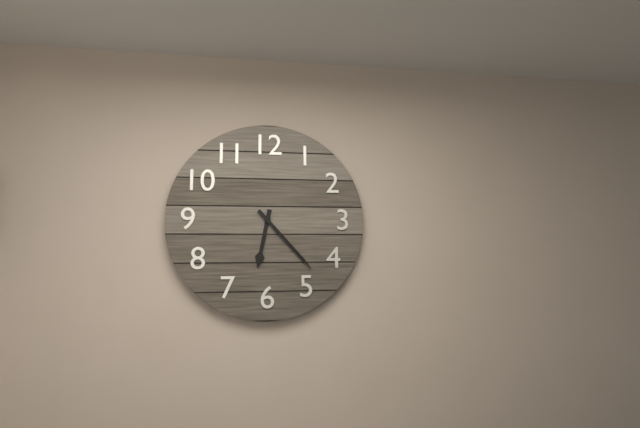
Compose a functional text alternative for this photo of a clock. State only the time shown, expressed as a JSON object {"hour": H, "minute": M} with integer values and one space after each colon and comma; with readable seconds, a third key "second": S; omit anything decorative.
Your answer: {"hour": 6, "minute": 23}
